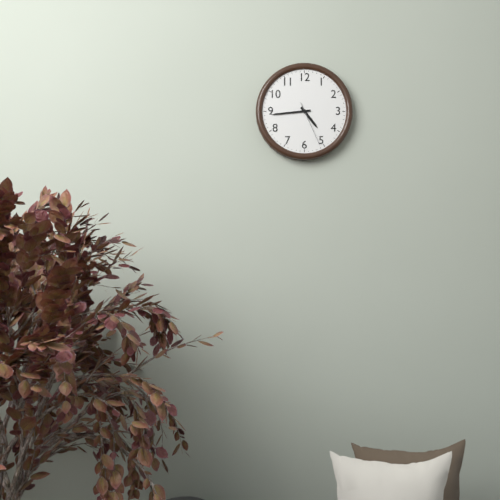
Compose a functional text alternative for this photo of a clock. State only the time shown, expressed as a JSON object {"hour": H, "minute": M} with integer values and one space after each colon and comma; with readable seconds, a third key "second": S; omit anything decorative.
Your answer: {"hour": 4, "minute": 44}
